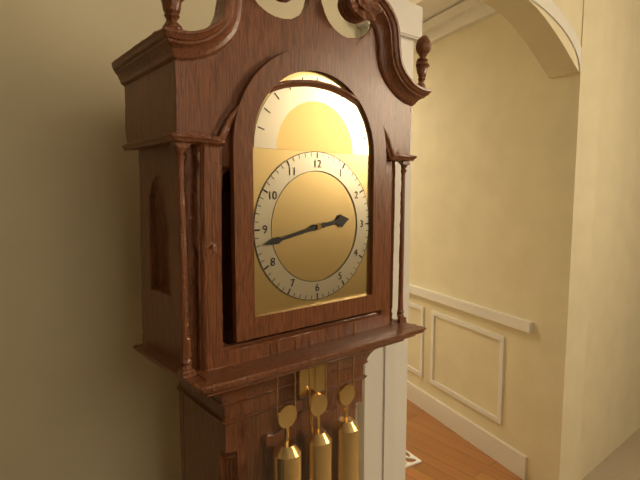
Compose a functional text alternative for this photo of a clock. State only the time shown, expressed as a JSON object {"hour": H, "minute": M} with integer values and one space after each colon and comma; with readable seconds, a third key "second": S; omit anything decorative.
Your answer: {"hour": 2, "minute": 43}
